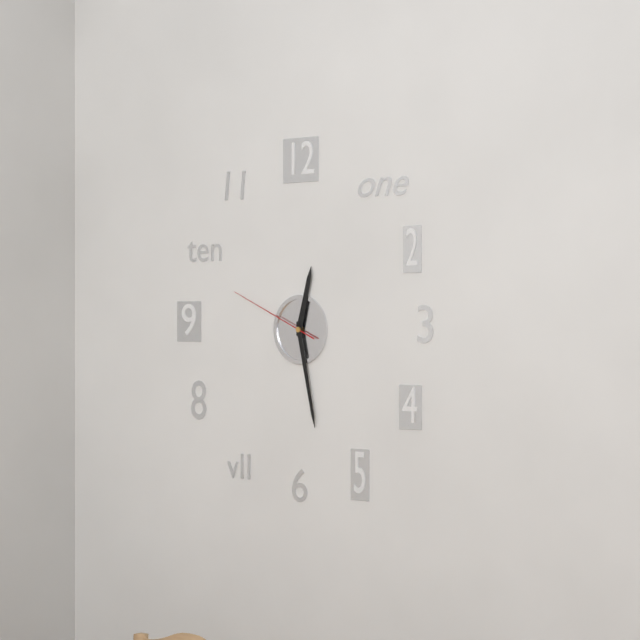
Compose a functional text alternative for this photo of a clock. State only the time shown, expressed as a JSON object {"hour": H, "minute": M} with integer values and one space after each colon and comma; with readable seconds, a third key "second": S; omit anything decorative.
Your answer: {"hour": 12, "minute": 28, "second": 49}
